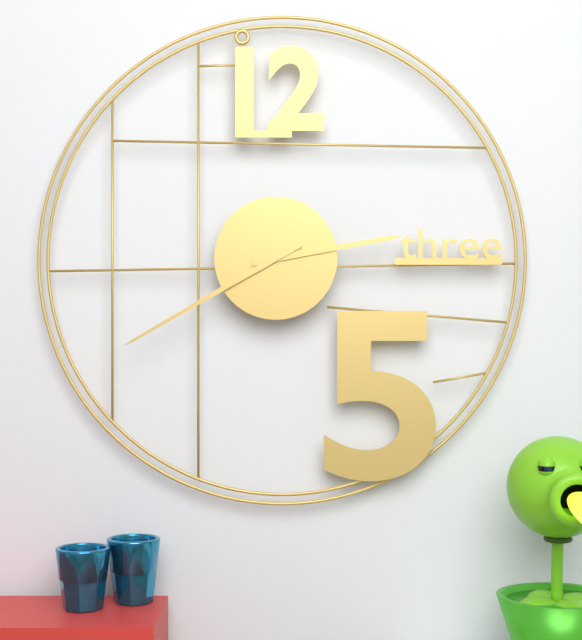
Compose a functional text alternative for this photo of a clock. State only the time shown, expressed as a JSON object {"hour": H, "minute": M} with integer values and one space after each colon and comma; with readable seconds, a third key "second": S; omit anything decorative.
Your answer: {"hour": 2, "minute": 40}
